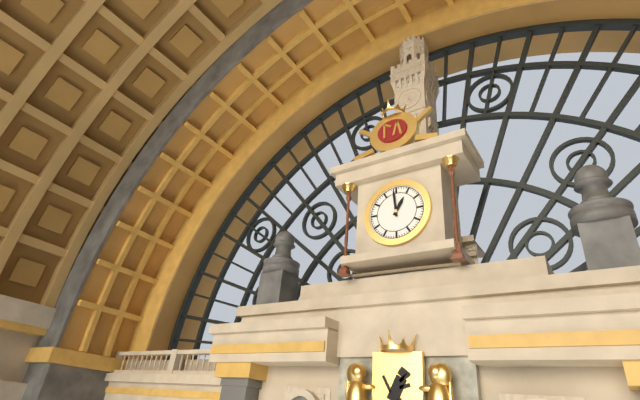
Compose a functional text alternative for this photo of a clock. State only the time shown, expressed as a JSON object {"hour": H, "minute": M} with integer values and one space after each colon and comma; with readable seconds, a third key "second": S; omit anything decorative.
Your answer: {"hour": 12, "minute": 59}
